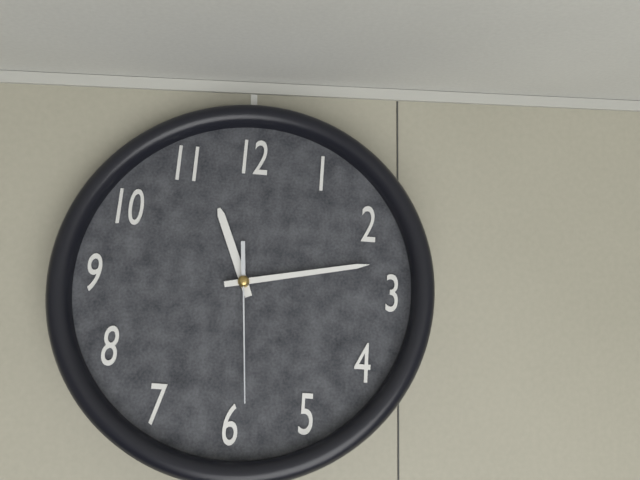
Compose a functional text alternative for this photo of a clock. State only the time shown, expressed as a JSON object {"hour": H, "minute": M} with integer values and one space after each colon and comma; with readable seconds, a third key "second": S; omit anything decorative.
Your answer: {"hour": 11, "minute": 13, "second": 29}
